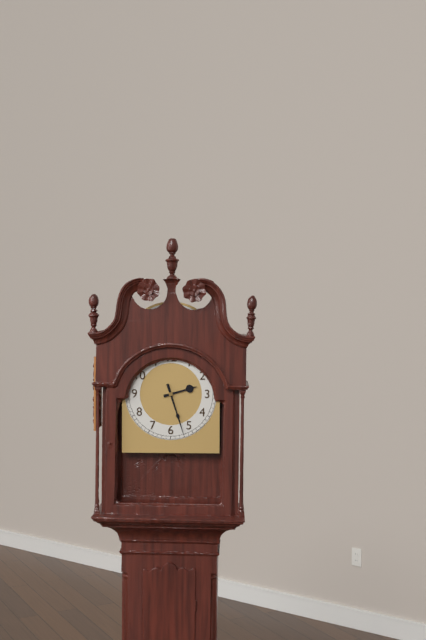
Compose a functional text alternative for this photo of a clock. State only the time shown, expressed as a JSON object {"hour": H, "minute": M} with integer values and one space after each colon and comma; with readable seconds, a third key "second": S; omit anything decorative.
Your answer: {"hour": 2, "minute": 27}
